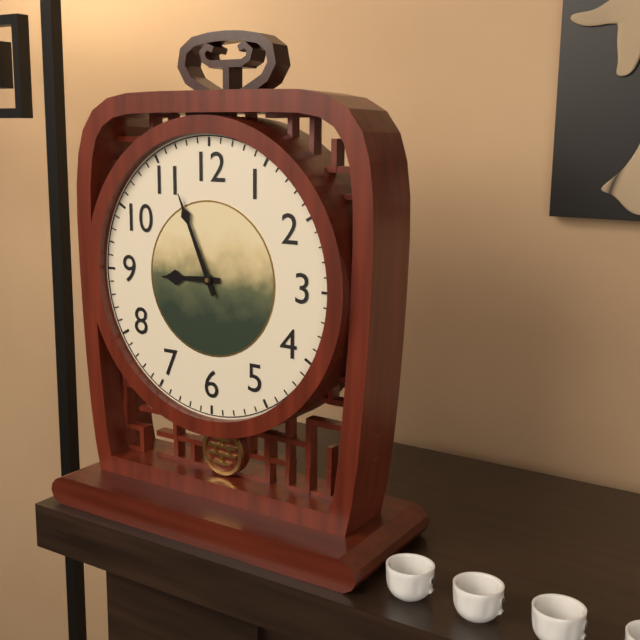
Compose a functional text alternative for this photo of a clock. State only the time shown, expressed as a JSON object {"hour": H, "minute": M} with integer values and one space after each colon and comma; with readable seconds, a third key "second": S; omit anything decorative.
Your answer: {"hour": 8, "minute": 56}
